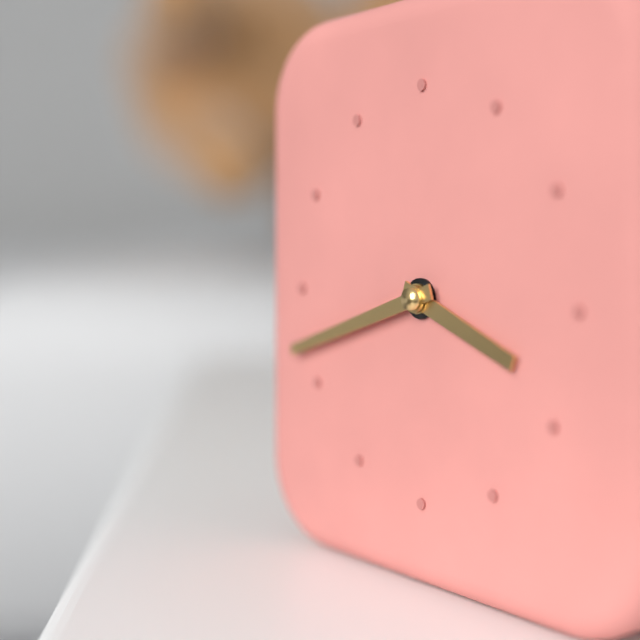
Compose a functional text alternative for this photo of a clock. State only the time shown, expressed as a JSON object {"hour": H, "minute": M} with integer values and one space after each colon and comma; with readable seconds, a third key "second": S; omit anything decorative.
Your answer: {"hour": 3, "minute": 42}
